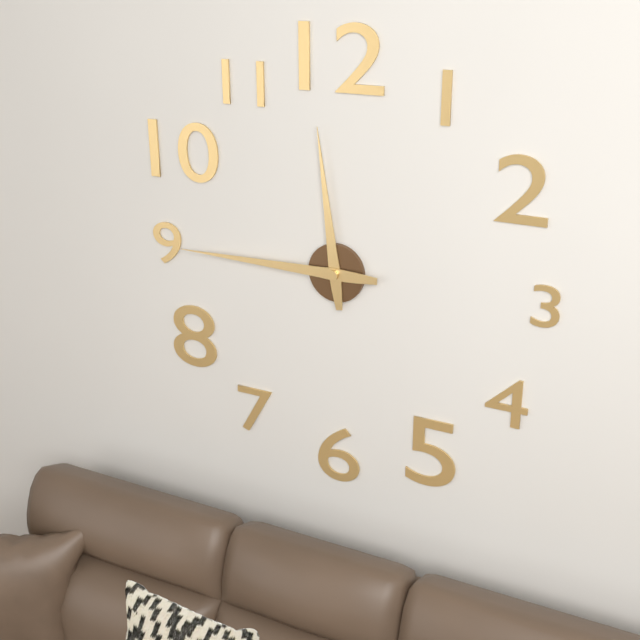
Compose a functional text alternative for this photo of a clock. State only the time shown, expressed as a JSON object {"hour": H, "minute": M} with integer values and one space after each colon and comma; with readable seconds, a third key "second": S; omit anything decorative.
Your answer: {"hour": 11, "minute": 45}
